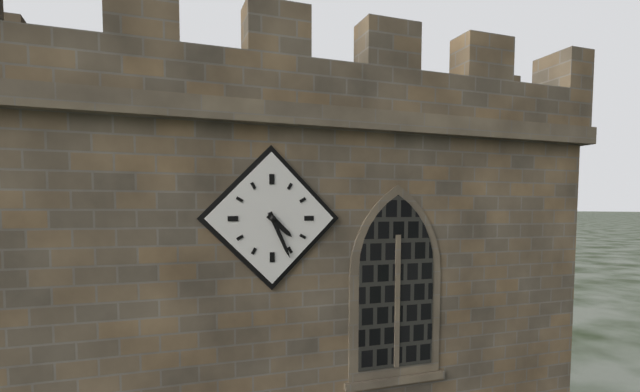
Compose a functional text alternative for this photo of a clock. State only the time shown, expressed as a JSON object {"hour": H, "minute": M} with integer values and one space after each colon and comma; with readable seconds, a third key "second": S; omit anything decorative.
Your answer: {"hour": 4, "minute": 26}
